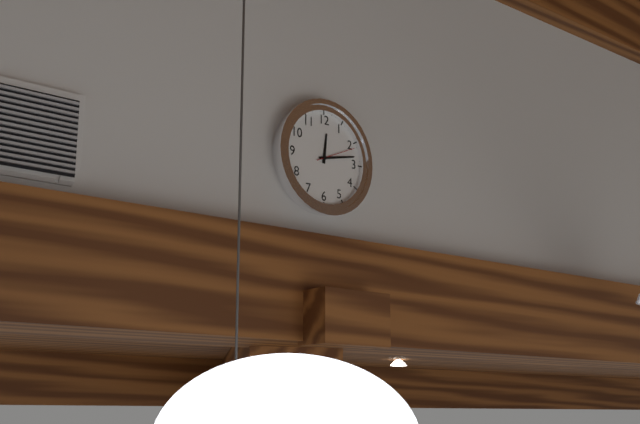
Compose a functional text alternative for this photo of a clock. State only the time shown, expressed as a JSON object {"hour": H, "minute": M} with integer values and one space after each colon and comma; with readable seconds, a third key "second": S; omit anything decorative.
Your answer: {"hour": 12, "minute": 13}
